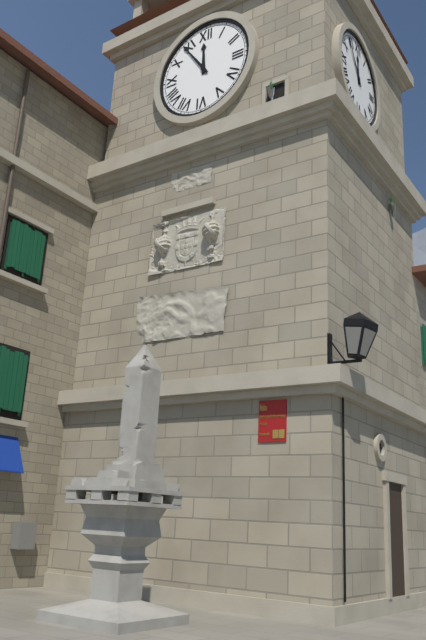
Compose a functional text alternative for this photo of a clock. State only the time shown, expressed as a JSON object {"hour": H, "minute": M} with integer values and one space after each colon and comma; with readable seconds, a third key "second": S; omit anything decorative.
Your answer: {"hour": 11, "minute": 54}
